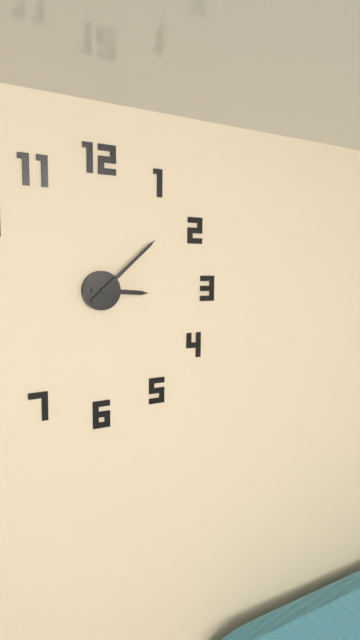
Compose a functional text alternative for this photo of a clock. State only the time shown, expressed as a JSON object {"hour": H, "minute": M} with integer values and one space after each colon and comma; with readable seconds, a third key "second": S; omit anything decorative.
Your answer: {"hour": 3, "minute": 8}
